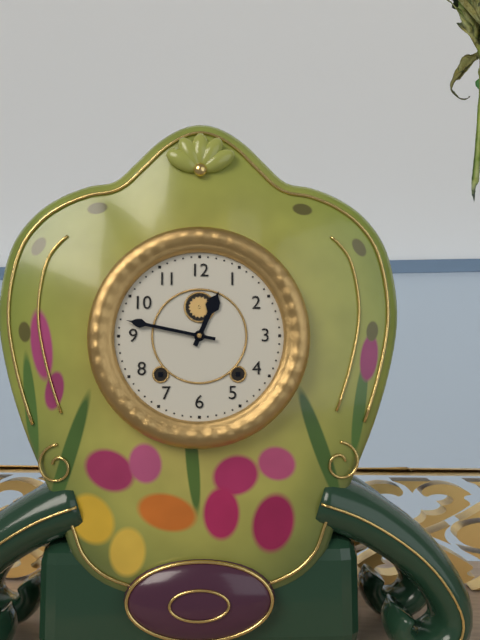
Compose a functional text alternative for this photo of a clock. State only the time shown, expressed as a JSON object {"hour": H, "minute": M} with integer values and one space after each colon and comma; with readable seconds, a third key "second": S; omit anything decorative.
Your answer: {"hour": 12, "minute": 47}
